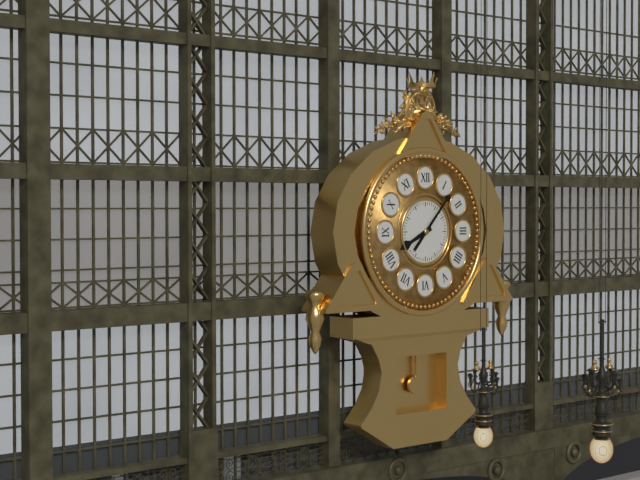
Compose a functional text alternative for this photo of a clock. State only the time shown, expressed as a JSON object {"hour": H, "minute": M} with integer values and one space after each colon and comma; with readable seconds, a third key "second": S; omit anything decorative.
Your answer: {"hour": 8, "minute": 7}
